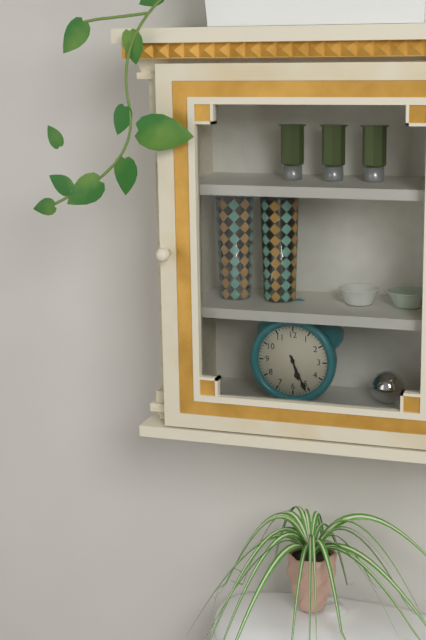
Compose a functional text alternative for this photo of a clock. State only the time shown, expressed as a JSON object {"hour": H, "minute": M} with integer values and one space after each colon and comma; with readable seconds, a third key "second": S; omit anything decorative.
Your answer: {"hour": 5, "minute": 26}
